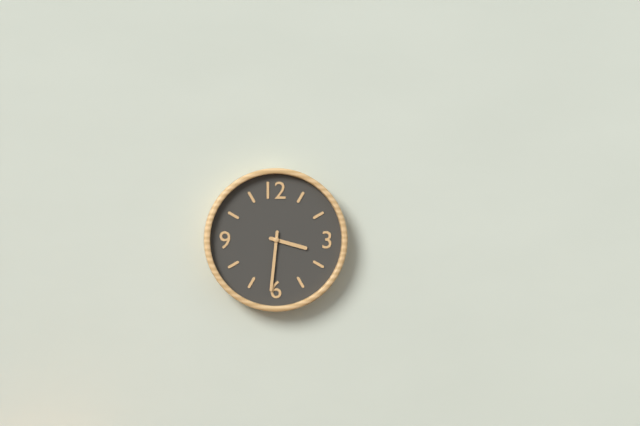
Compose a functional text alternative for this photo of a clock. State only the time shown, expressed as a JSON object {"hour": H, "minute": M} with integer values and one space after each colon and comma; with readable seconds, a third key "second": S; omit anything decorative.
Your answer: {"hour": 3, "minute": 31}
